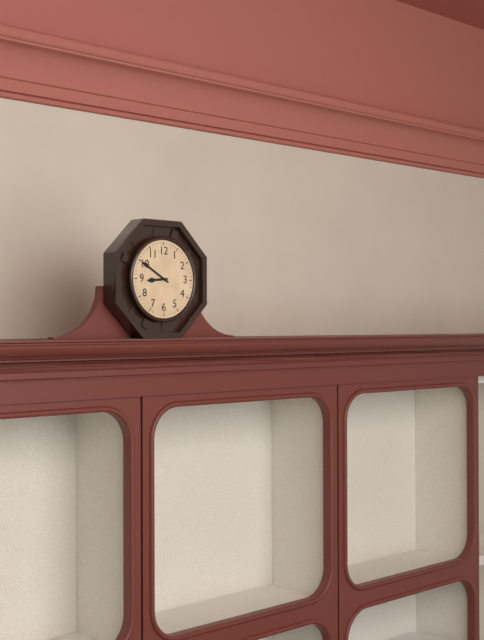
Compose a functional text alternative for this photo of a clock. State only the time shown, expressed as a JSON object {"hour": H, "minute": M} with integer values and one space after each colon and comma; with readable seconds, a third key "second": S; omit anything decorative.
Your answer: {"hour": 8, "minute": 50}
